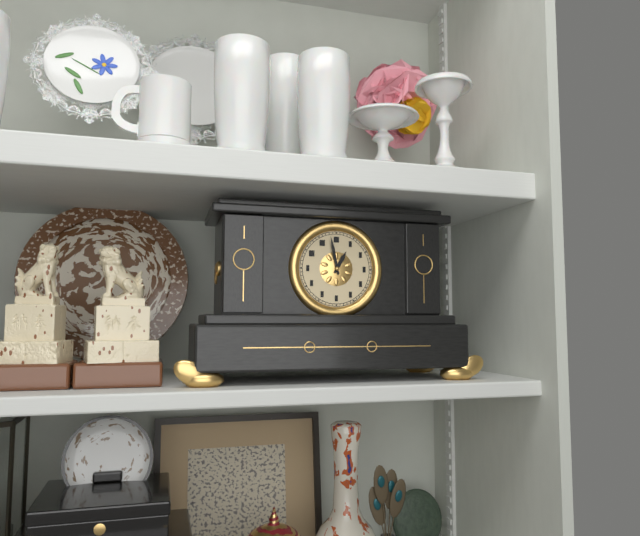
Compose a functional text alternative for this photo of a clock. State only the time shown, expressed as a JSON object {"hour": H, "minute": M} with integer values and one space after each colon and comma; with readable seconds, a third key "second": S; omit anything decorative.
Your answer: {"hour": 12, "minute": 58}
